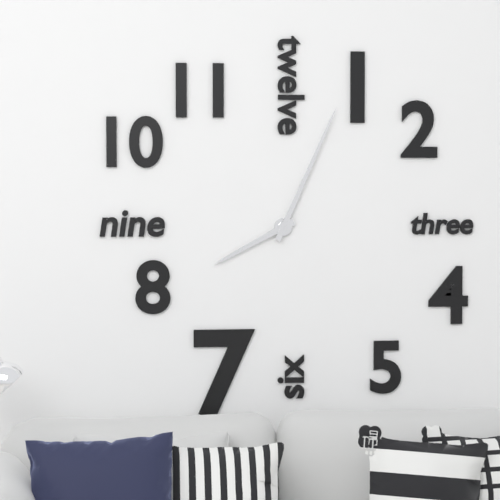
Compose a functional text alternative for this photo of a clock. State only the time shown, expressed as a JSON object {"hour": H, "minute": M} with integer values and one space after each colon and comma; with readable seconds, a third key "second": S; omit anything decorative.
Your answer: {"hour": 8, "minute": 4}
